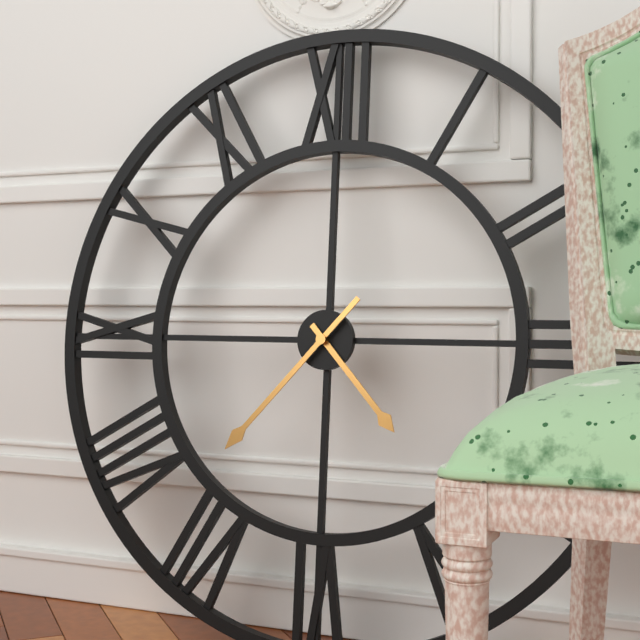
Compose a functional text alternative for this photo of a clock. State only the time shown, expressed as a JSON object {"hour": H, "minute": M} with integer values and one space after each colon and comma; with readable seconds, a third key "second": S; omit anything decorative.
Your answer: {"hour": 4, "minute": 37}
